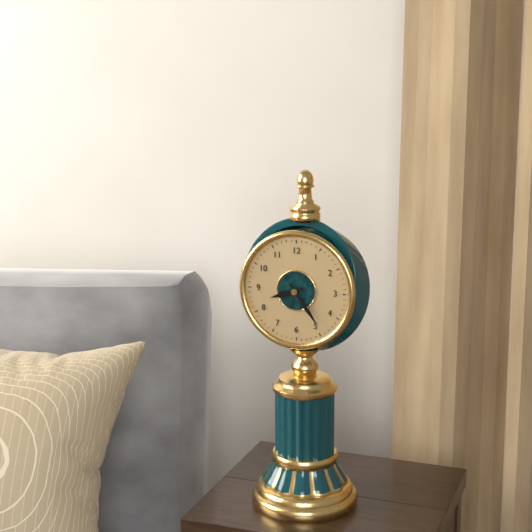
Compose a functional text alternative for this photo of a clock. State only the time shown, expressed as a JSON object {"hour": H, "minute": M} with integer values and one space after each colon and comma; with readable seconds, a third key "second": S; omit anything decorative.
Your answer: {"hour": 8, "minute": 24}
